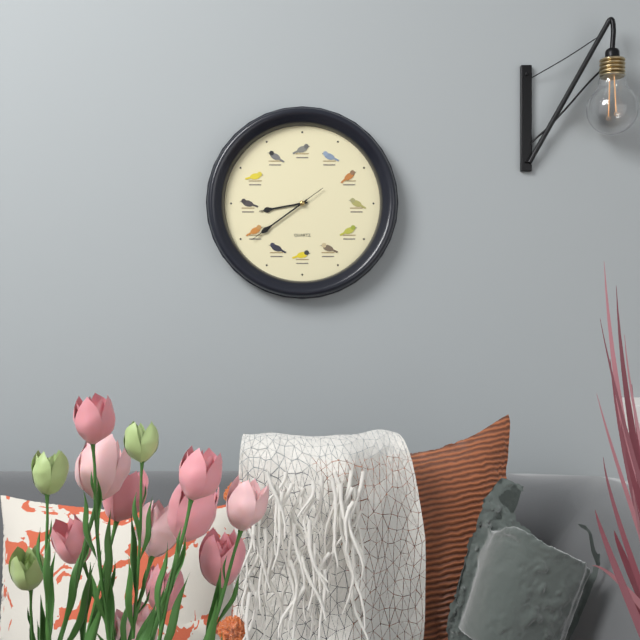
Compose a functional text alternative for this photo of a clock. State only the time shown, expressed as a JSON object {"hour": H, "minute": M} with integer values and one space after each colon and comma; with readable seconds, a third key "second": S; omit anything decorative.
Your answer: {"hour": 8, "minute": 39, "second": 39}
